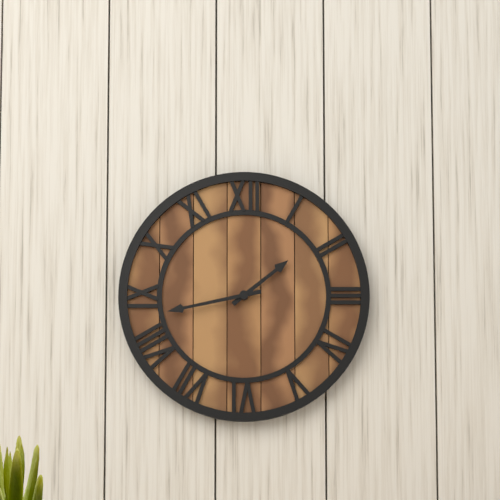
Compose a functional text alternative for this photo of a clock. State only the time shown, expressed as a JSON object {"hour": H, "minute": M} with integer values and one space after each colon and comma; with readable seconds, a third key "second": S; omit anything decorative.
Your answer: {"hour": 1, "minute": 43}
